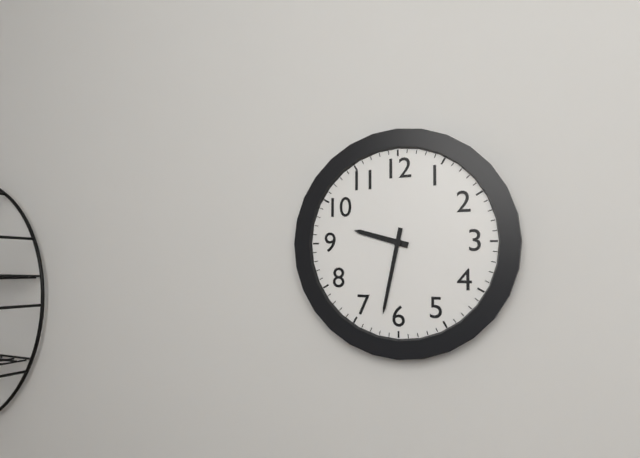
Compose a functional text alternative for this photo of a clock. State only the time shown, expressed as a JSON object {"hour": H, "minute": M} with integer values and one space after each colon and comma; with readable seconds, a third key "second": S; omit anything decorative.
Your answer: {"hour": 9, "minute": 32}
